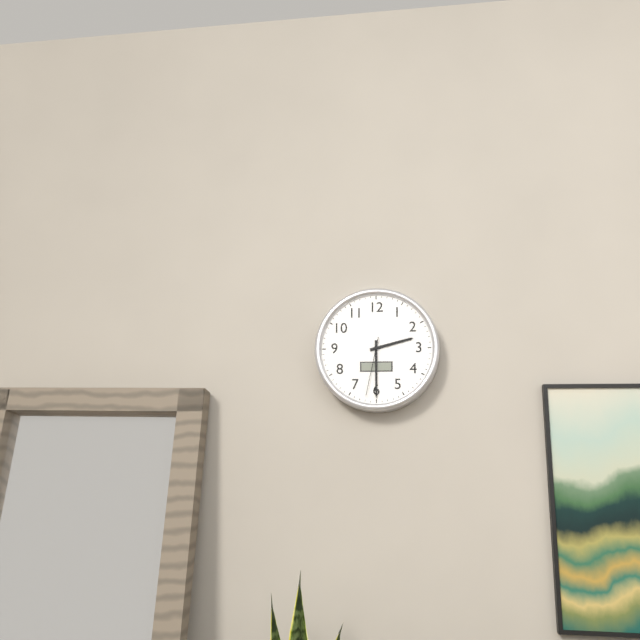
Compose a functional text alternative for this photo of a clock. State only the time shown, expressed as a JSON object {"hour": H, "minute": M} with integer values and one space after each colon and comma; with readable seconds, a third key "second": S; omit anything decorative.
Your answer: {"hour": 2, "minute": 30, "second": 32}
